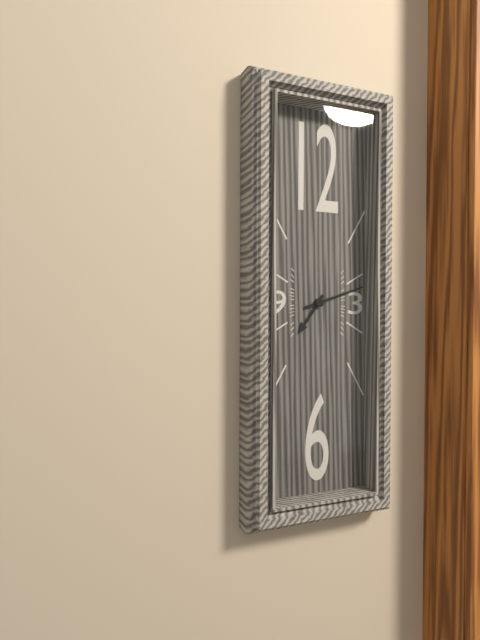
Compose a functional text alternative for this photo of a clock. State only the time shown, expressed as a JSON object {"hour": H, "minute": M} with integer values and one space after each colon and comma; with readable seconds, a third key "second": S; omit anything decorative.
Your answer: {"hour": 7, "minute": 12}
